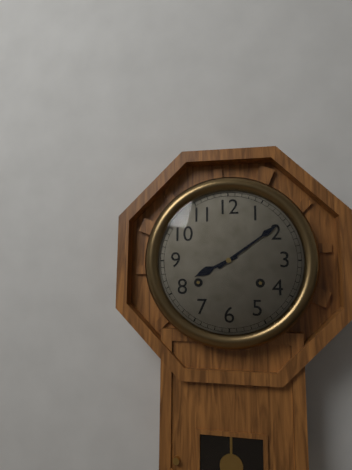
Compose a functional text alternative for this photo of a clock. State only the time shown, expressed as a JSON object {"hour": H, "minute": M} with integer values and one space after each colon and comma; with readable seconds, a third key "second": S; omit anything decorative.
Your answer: {"hour": 8, "minute": 9}
